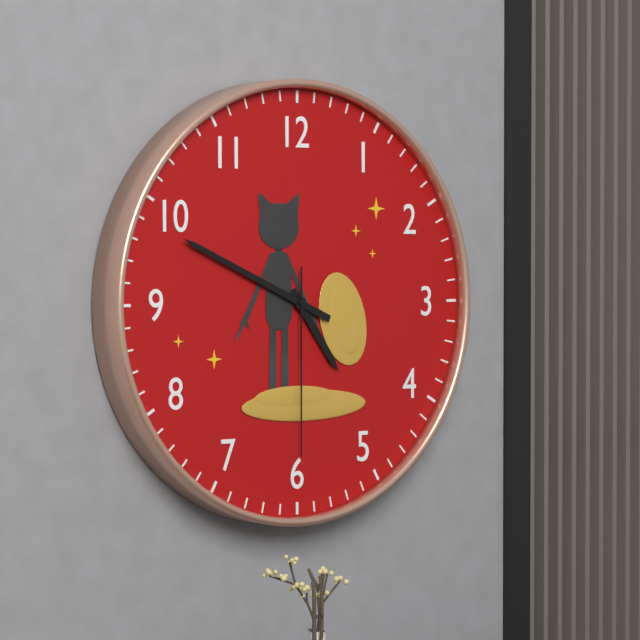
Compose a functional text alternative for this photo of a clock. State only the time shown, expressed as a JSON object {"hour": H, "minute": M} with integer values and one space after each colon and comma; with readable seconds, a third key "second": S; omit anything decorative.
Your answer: {"hour": 4, "minute": 49, "second": 30}
